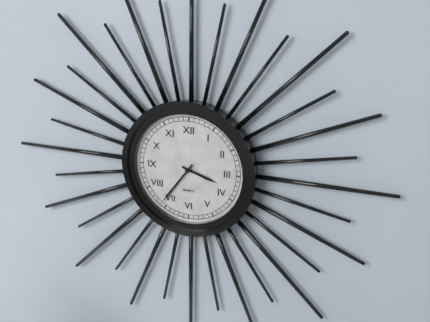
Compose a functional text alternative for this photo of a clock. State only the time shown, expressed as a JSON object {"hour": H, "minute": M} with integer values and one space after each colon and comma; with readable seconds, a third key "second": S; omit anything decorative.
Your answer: {"hour": 3, "minute": 36}
